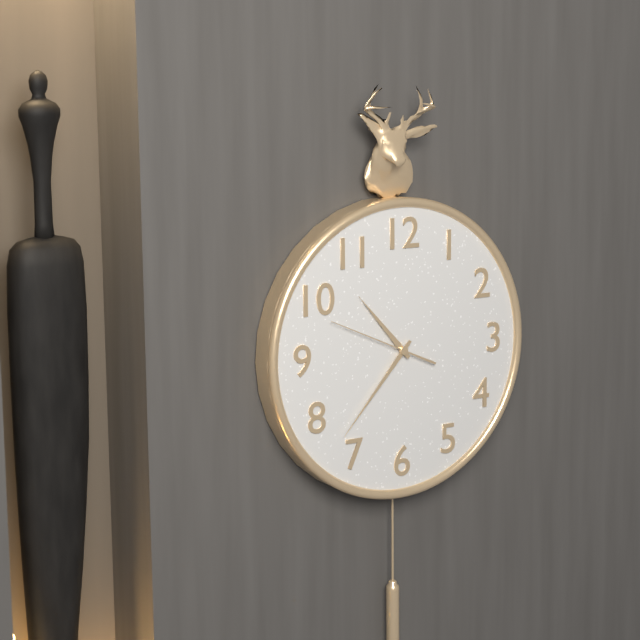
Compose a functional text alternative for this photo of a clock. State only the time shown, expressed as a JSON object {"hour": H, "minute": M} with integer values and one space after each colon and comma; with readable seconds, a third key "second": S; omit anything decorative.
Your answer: {"hour": 10, "minute": 37, "second": 49}
